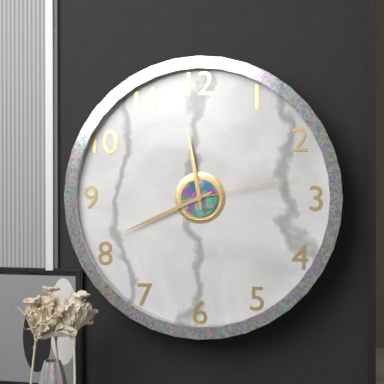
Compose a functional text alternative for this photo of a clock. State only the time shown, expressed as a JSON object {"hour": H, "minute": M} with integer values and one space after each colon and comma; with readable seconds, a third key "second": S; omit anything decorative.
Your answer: {"hour": 11, "minute": 41, "second": 13}
